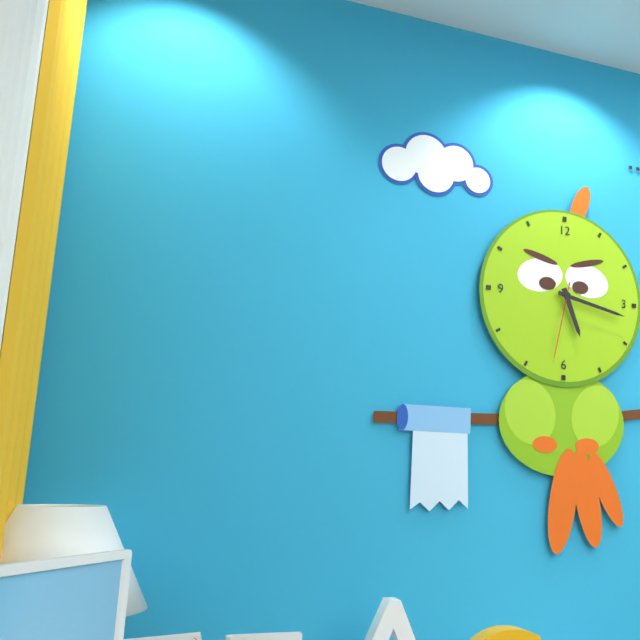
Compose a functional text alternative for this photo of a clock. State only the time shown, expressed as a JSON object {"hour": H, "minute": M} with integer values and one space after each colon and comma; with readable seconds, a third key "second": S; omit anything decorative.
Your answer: {"hour": 5, "minute": 17, "second": 32}
